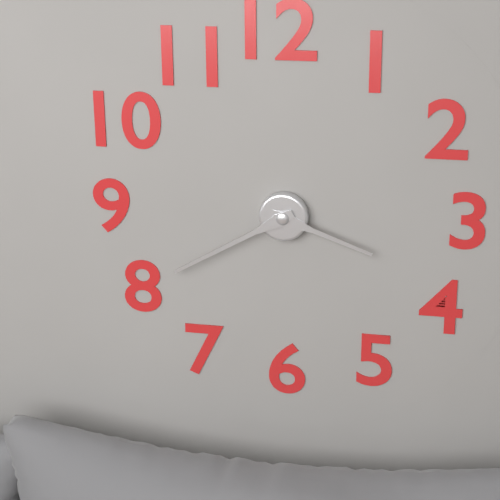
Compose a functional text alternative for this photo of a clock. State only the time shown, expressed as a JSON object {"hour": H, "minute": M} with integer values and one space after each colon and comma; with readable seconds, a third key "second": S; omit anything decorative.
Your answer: {"hour": 3, "minute": 40}
